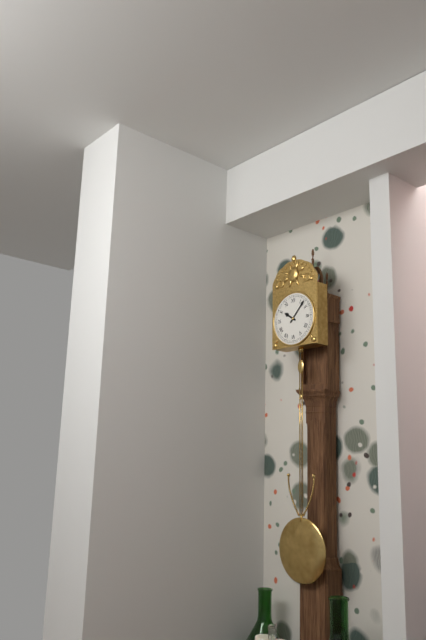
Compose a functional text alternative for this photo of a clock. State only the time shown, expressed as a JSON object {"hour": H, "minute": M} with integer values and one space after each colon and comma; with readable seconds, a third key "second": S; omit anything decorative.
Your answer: {"hour": 10, "minute": 7}
